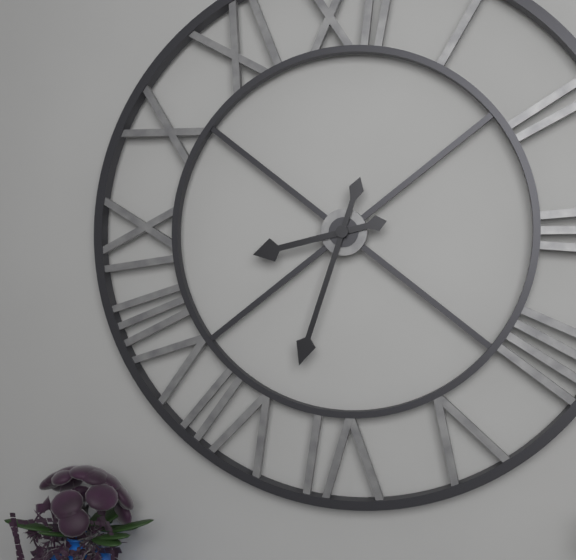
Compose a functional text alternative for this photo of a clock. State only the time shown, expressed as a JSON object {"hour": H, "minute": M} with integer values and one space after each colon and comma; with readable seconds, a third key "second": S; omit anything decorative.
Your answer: {"hour": 8, "minute": 33}
